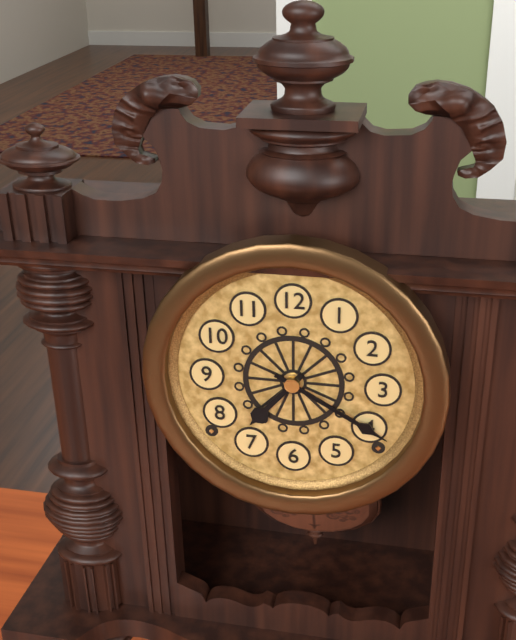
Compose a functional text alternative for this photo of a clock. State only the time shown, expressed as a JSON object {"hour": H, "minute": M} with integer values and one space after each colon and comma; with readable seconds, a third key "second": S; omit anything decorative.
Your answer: {"hour": 7, "minute": 20}
